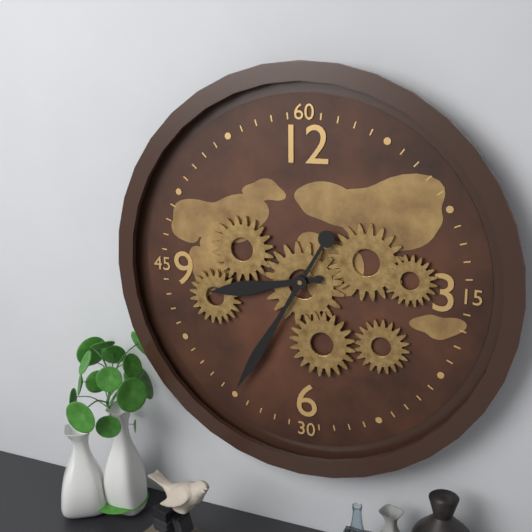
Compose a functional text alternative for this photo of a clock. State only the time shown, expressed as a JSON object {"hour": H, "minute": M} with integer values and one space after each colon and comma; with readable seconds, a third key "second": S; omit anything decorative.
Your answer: {"hour": 8, "minute": 35}
